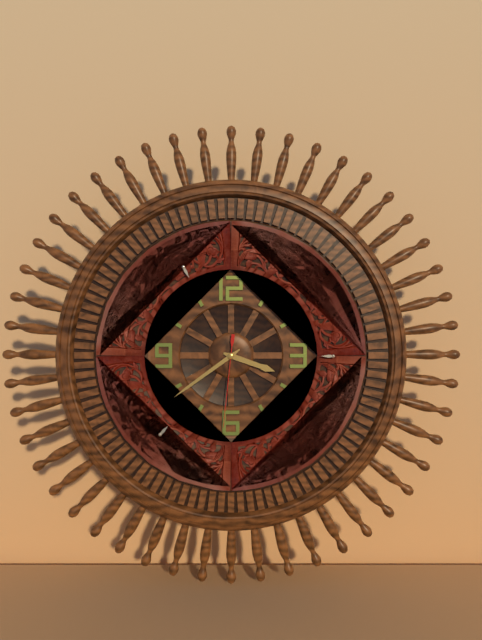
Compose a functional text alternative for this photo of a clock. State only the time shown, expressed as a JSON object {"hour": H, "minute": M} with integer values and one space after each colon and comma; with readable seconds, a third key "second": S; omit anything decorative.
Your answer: {"hour": 3, "minute": 39, "second": 31}
